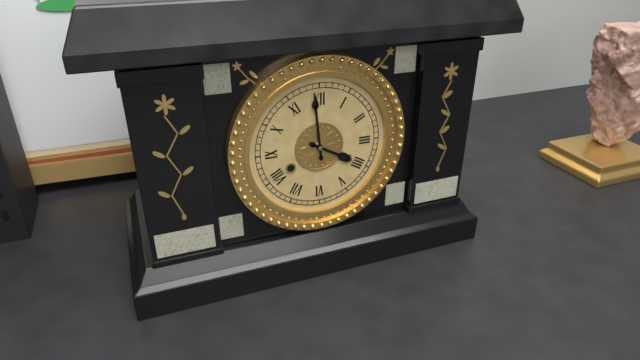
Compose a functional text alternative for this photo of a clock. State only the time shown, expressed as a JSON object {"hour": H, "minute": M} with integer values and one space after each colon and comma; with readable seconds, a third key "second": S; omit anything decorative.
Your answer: {"hour": 3, "minute": 59}
